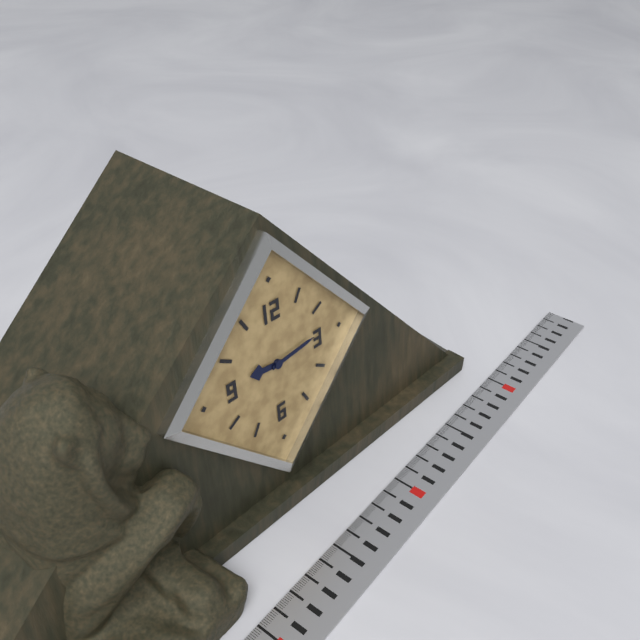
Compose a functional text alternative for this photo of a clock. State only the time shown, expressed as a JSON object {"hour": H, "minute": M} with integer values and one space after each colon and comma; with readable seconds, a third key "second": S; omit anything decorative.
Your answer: {"hour": 9, "minute": 14}
